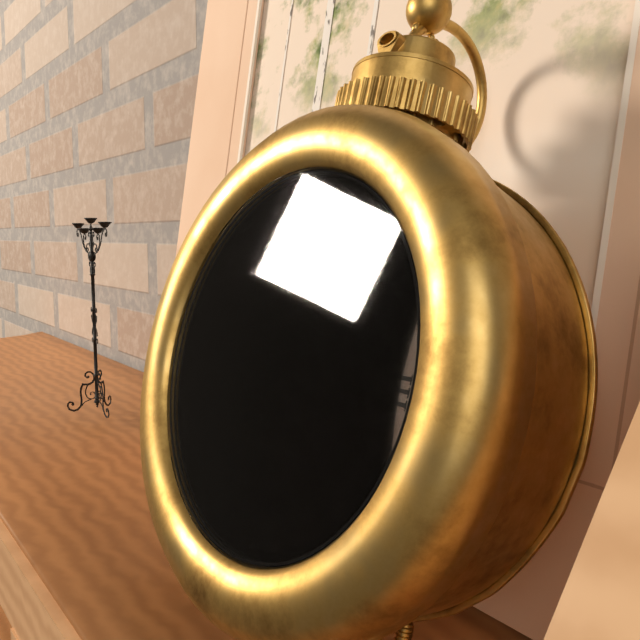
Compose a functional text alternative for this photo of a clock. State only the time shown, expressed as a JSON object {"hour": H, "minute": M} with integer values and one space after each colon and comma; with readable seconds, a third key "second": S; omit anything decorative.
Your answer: {"hour": 9, "minute": 0, "second": 27}
